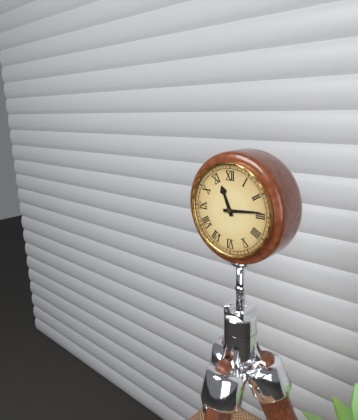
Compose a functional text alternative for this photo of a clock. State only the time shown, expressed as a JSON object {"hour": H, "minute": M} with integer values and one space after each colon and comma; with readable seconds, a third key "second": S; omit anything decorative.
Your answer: {"hour": 11, "minute": 14}
